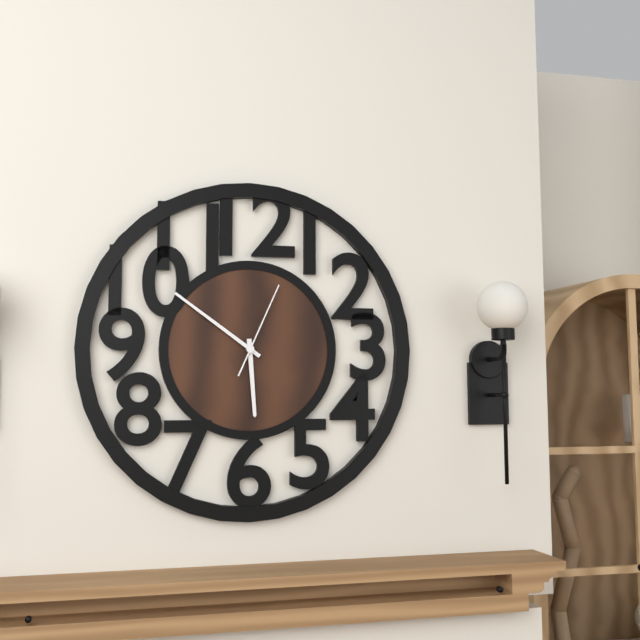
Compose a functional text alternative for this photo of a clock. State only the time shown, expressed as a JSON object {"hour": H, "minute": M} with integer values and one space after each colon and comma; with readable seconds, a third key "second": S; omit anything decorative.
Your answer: {"hour": 5, "minute": 51, "second": 4}
